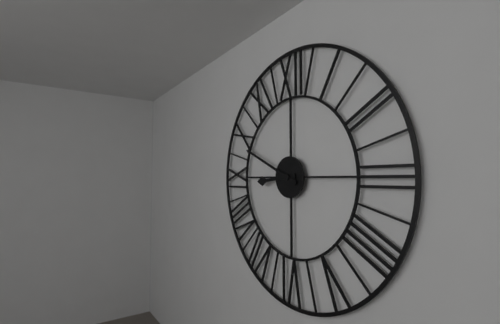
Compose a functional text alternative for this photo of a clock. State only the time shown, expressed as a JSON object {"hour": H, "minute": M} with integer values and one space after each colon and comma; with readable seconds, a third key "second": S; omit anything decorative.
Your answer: {"hour": 8, "minute": 49}
